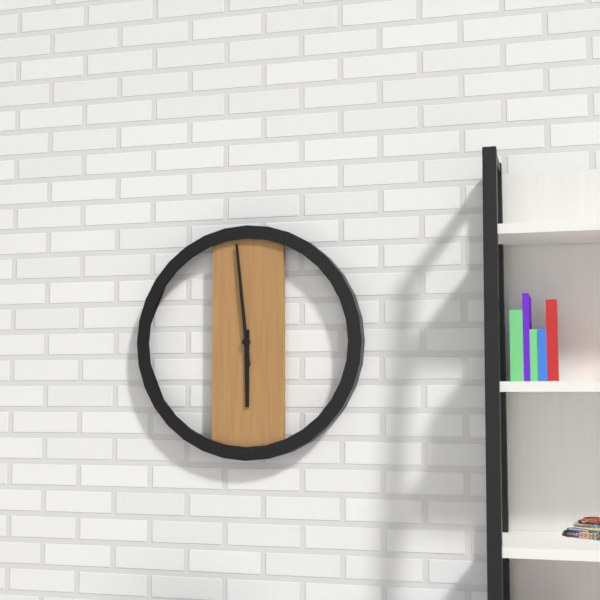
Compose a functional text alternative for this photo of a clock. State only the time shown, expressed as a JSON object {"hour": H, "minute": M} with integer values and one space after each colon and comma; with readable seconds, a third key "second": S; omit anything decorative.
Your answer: {"hour": 5, "minute": 59}
